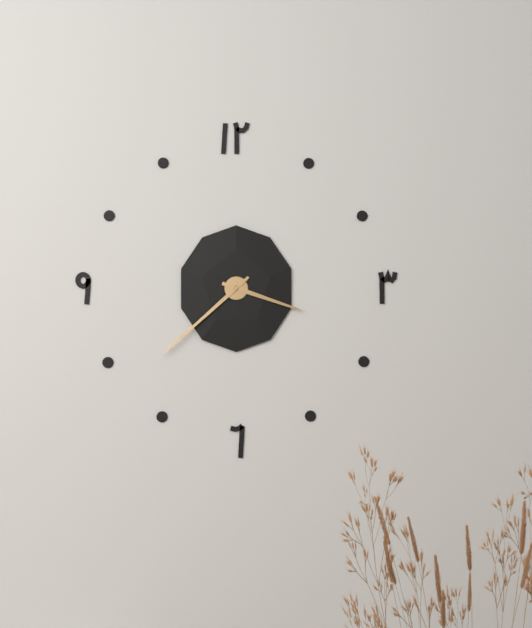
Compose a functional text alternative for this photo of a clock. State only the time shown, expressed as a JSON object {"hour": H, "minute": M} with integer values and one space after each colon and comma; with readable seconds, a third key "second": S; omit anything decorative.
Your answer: {"hour": 3, "minute": 38}
